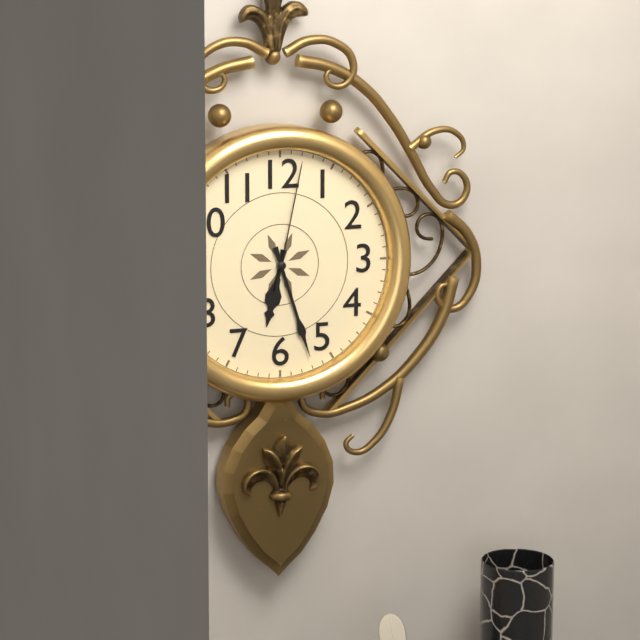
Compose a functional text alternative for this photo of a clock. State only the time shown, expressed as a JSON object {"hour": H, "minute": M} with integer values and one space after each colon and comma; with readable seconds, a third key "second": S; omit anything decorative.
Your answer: {"hour": 6, "minute": 27, "second": 2}
